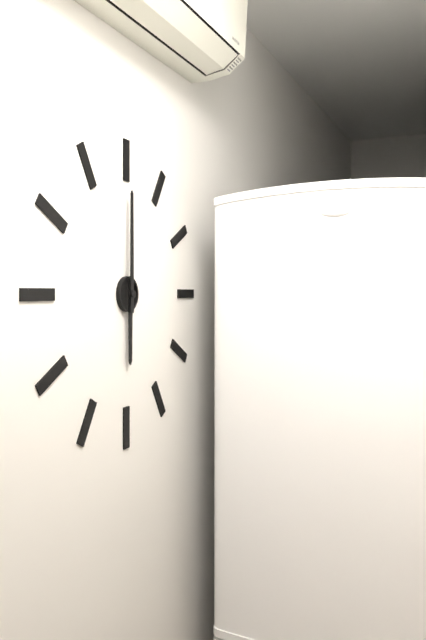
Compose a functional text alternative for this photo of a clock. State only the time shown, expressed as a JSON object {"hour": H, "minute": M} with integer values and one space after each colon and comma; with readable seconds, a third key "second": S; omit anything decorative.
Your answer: {"hour": 6, "minute": 0}
